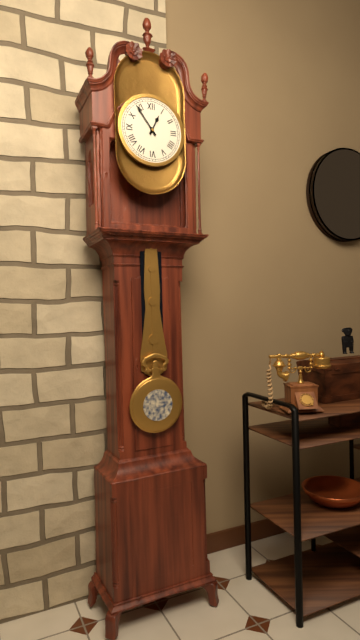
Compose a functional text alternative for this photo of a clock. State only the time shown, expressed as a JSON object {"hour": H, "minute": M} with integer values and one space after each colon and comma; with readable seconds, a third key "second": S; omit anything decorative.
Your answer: {"hour": 12, "minute": 54}
